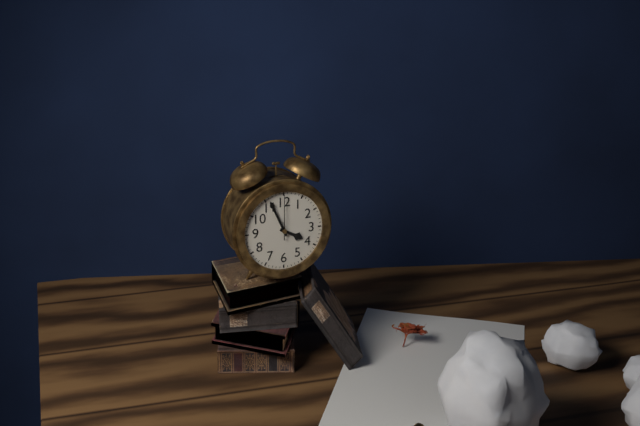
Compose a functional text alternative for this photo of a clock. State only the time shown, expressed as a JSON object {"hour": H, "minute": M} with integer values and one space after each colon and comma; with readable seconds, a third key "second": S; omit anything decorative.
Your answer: {"hour": 3, "minute": 56}
